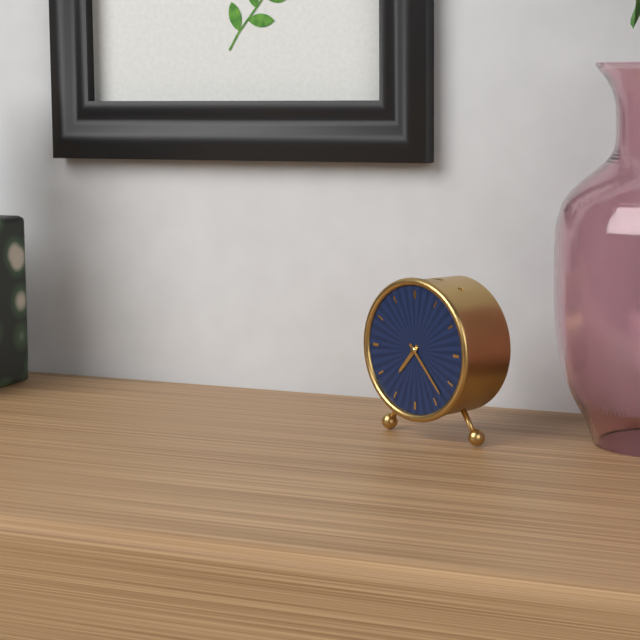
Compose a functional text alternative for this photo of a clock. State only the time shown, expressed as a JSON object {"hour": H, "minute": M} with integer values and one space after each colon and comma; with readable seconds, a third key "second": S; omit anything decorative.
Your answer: {"hour": 7, "minute": 23}
